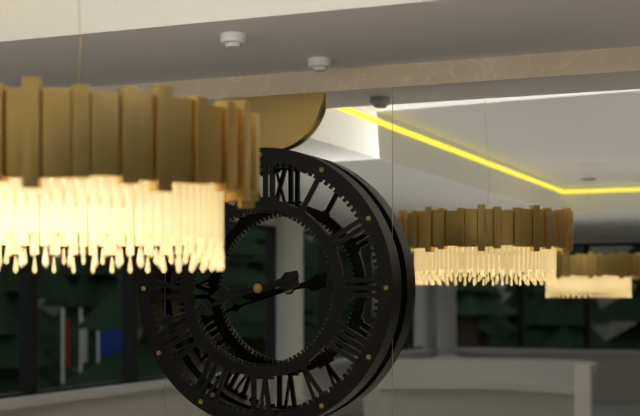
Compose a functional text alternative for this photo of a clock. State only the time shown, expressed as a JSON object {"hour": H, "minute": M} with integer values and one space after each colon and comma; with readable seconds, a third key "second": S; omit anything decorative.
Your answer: {"hour": 8, "minute": 42}
